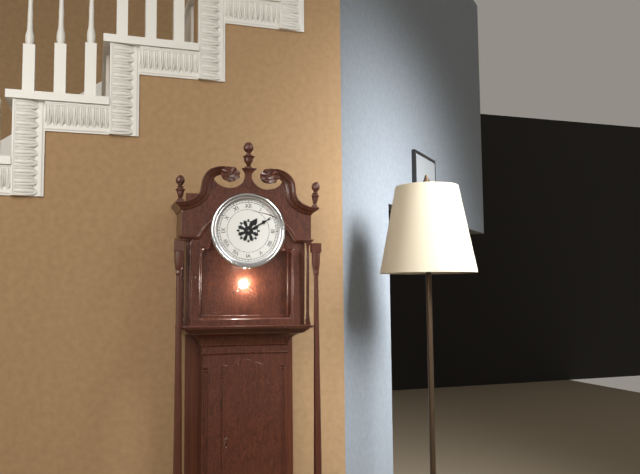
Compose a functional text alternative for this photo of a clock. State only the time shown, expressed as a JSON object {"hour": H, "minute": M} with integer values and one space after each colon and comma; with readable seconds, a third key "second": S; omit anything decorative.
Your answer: {"hour": 1, "minute": 10}
